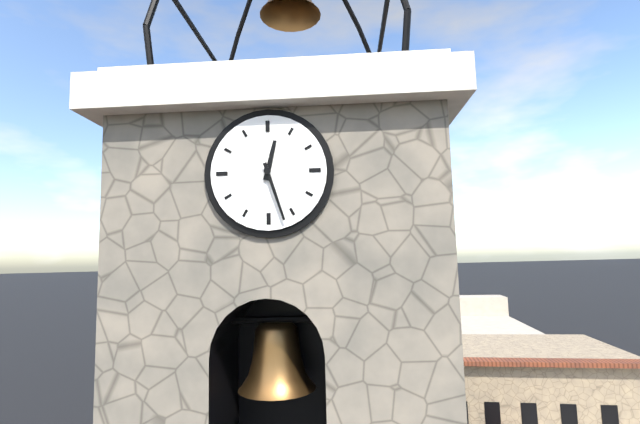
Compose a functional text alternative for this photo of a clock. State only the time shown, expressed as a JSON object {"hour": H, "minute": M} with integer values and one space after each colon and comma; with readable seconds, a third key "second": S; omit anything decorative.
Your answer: {"hour": 12, "minute": 27}
